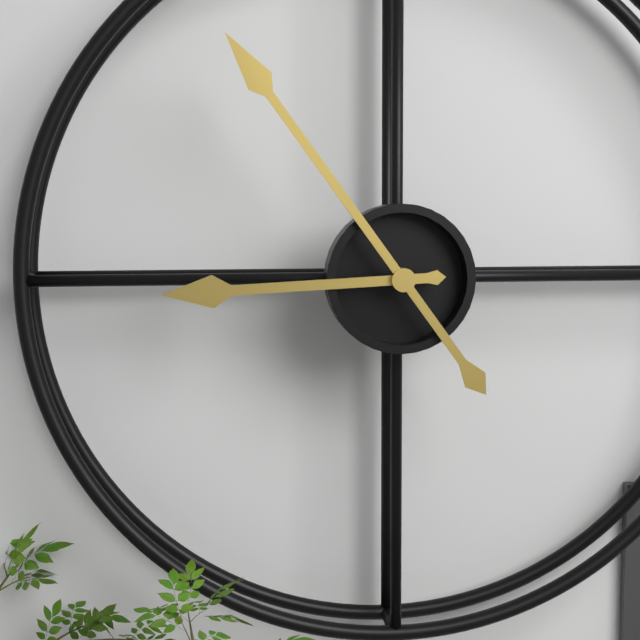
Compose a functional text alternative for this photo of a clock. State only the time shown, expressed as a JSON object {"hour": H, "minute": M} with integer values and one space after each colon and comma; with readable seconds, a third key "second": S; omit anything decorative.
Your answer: {"hour": 8, "minute": 54}
